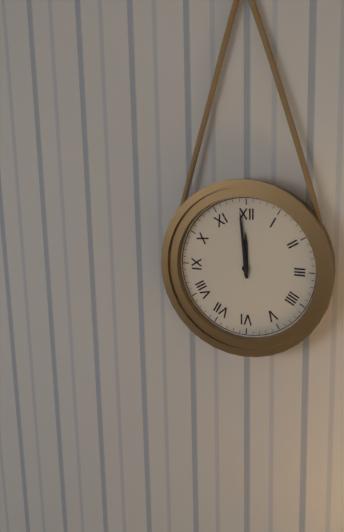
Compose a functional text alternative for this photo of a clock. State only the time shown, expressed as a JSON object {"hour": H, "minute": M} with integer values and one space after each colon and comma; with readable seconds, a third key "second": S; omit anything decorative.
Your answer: {"hour": 11, "minute": 59}
